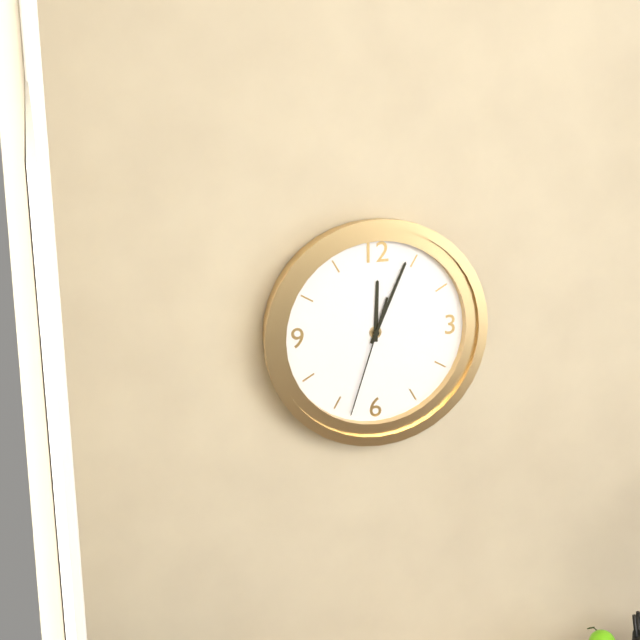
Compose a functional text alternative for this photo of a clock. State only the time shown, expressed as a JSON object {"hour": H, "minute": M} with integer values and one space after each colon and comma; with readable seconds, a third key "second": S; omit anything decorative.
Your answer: {"hour": 12, "minute": 4, "second": 33}
